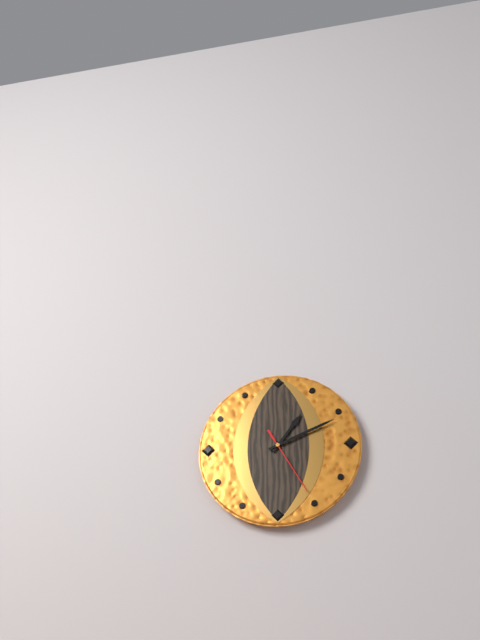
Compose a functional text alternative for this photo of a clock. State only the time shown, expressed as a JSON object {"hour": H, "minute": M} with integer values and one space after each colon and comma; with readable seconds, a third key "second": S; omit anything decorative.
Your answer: {"hour": 1, "minute": 11, "second": 25}
